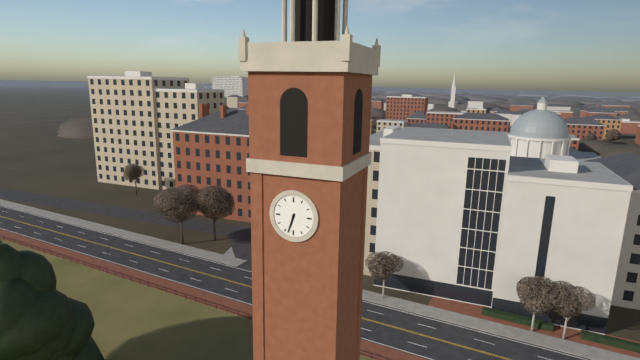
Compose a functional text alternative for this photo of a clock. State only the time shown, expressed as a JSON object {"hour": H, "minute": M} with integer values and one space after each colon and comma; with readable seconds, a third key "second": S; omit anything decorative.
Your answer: {"hour": 6, "minute": 33}
